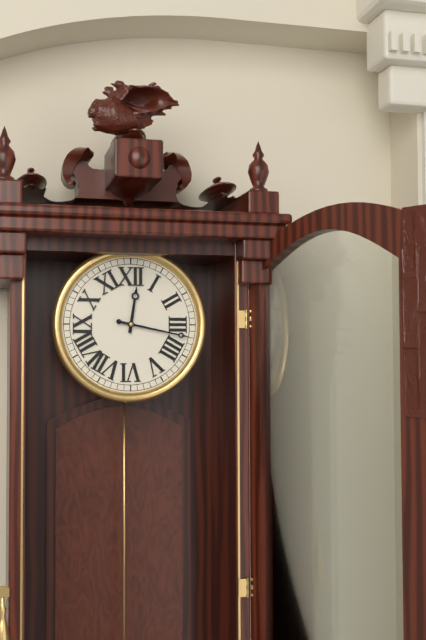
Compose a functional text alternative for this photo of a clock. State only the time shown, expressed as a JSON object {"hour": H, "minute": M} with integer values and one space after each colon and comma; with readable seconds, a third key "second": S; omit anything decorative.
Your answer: {"hour": 12, "minute": 17}
